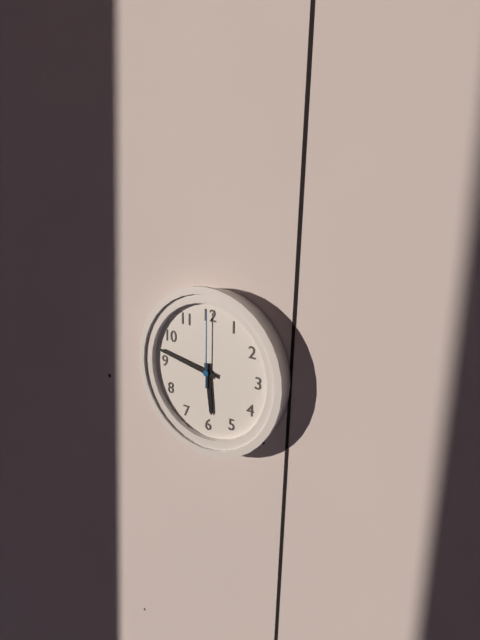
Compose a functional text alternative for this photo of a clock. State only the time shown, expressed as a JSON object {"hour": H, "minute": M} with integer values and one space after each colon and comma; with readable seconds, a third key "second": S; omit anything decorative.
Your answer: {"hour": 5, "minute": 47, "second": 0}
